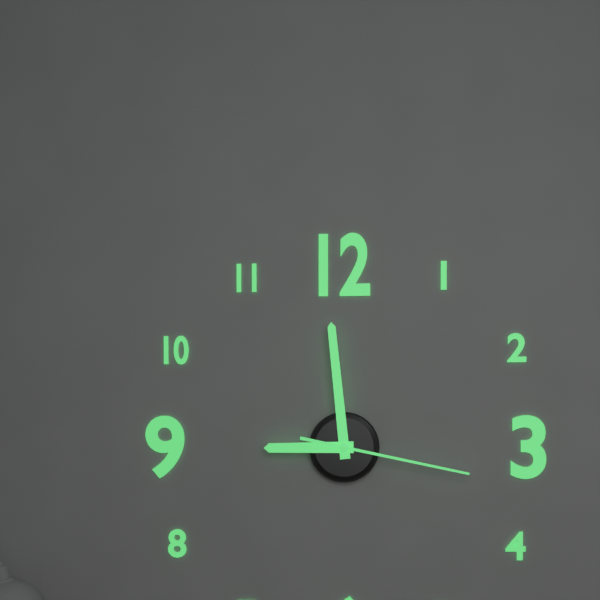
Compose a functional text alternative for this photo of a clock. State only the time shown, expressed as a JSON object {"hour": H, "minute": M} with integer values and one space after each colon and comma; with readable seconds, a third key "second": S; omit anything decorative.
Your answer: {"hour": 8, "minute": 59, "second": 17}
